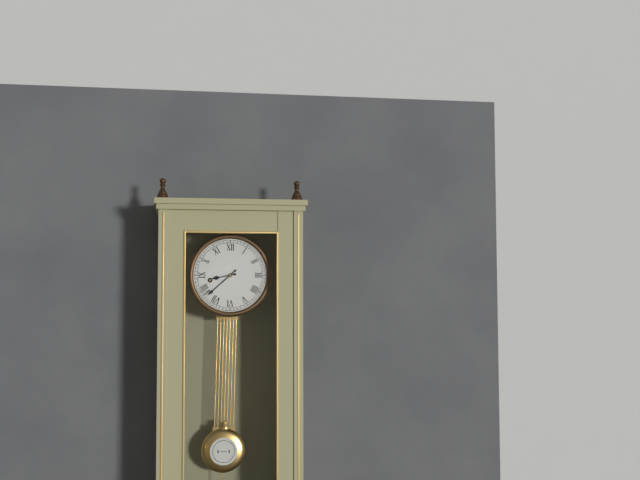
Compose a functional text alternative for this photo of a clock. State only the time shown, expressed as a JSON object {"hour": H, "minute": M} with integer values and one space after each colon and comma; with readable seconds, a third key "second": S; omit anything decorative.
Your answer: {"hour": 8, "minute": 38}
